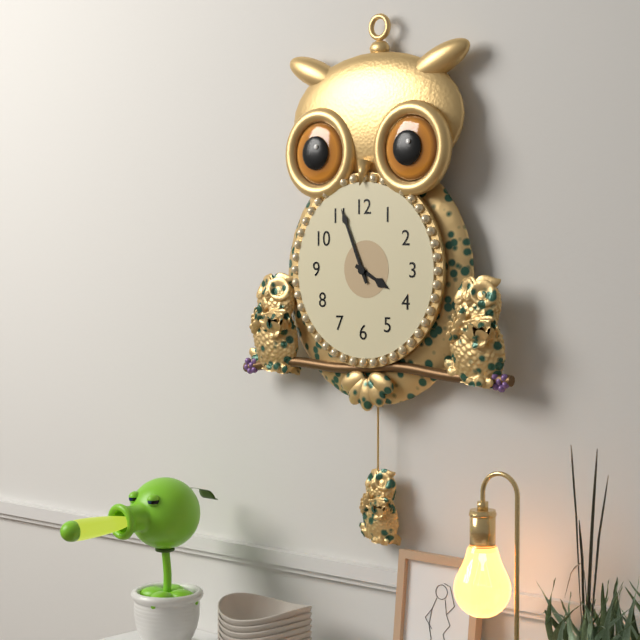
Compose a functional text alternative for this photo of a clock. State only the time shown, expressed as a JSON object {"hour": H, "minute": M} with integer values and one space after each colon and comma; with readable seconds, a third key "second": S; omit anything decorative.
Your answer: {"hour": 3, "minute": 56}
